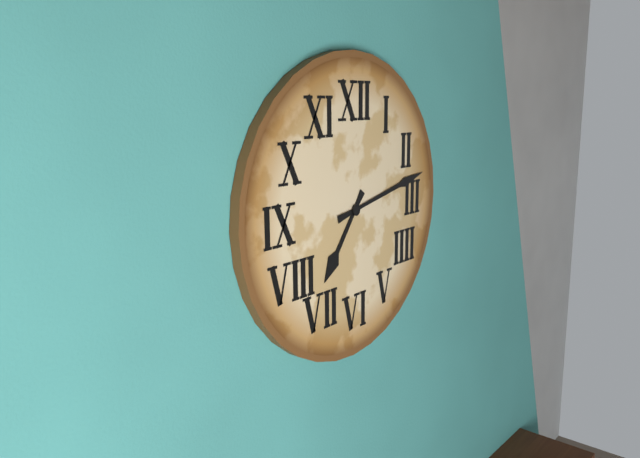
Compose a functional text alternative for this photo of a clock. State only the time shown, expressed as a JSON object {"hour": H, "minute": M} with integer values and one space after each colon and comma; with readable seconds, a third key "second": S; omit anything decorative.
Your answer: {"hour": 7, "minute": 13}
